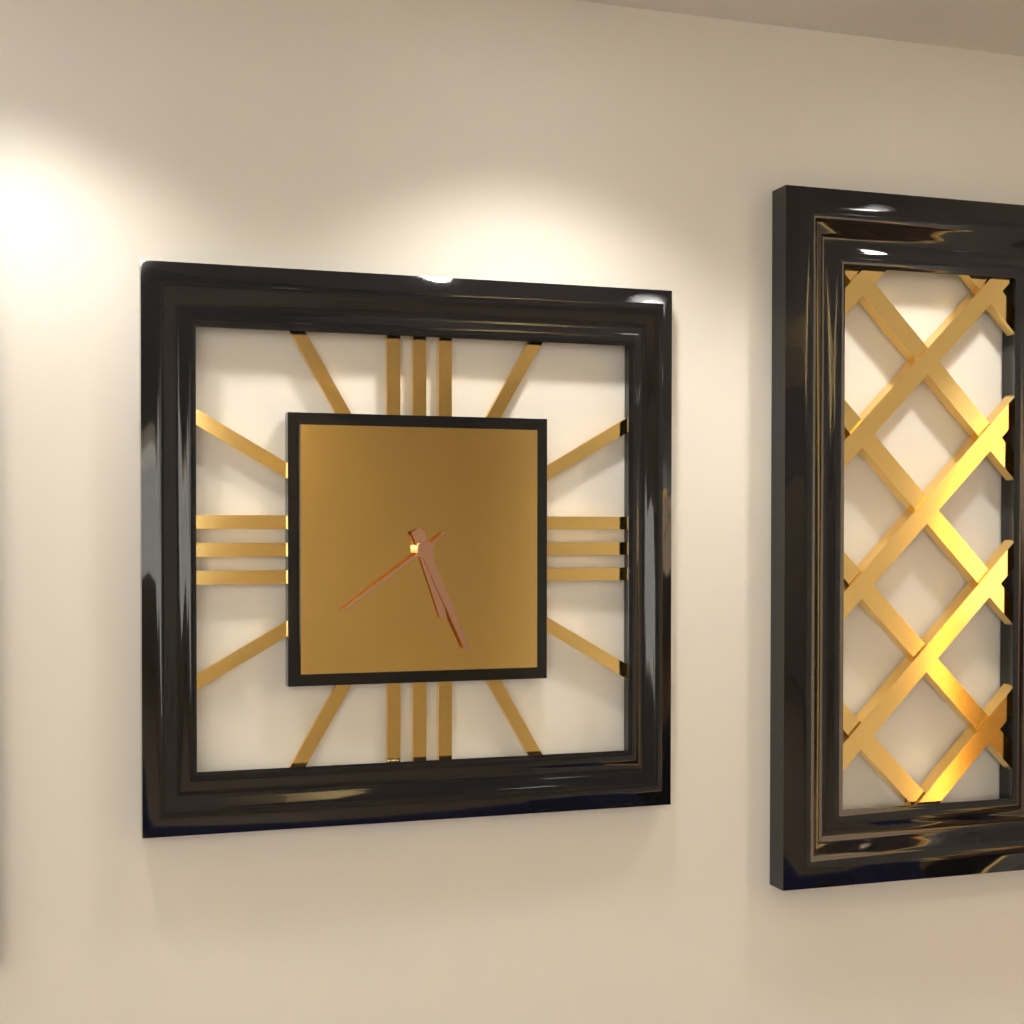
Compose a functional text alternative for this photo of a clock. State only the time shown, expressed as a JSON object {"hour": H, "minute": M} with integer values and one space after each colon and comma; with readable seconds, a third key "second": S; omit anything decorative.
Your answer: {"hour": 5, "minute": 26, "second": 39}
